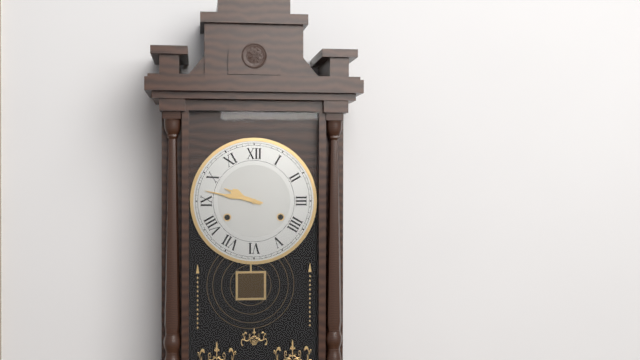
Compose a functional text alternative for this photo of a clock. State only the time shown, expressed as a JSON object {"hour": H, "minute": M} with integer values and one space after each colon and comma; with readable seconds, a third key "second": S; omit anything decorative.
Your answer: {"hour": 9, "minute": 47}
